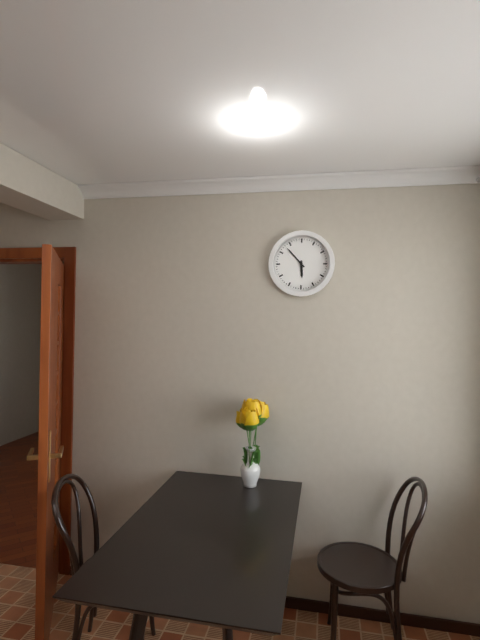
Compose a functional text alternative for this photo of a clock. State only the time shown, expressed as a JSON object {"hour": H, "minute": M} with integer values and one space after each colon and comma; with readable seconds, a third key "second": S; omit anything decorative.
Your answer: {"hour": 5, "minute": 53}
